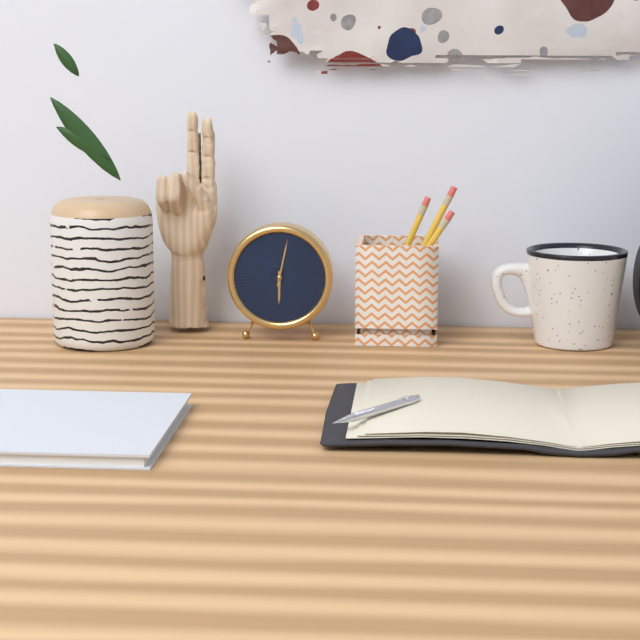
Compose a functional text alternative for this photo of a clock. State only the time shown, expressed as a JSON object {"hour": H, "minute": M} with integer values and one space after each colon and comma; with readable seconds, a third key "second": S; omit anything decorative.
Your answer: {"hour": 6, "minute": 2}
